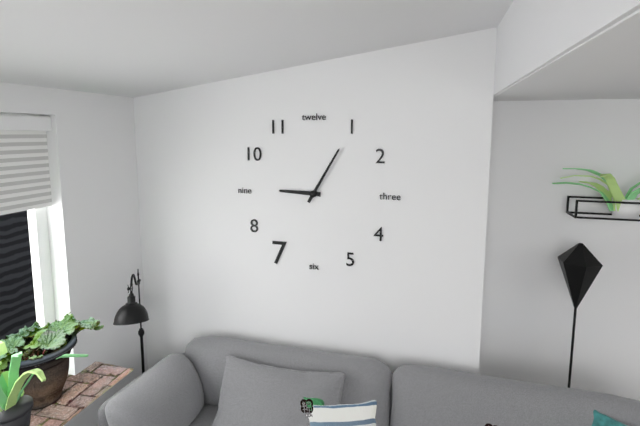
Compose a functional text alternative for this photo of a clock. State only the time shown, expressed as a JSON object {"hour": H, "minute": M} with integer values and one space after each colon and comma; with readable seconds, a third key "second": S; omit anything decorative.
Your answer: {"hour": 9, "minute": 5}
